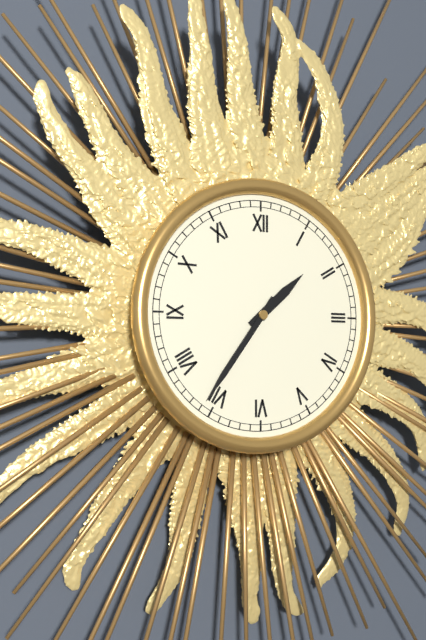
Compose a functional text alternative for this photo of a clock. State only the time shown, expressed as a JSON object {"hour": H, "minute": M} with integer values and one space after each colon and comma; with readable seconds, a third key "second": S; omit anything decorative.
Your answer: {"hour": 1, "minute": 36}
